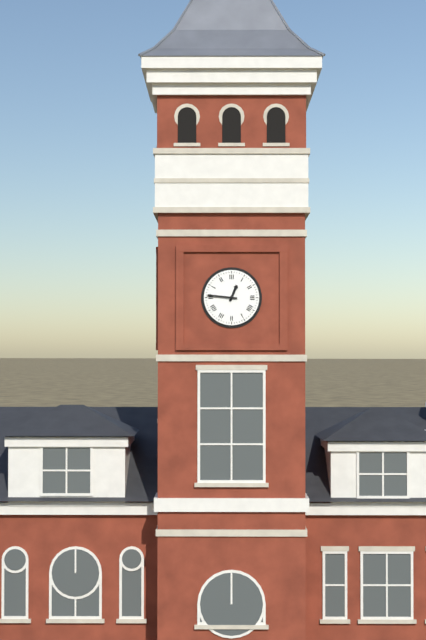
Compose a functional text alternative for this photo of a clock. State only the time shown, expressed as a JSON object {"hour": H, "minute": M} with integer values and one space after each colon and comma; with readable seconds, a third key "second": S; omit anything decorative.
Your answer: {"hour": 12, "minute": 46}
